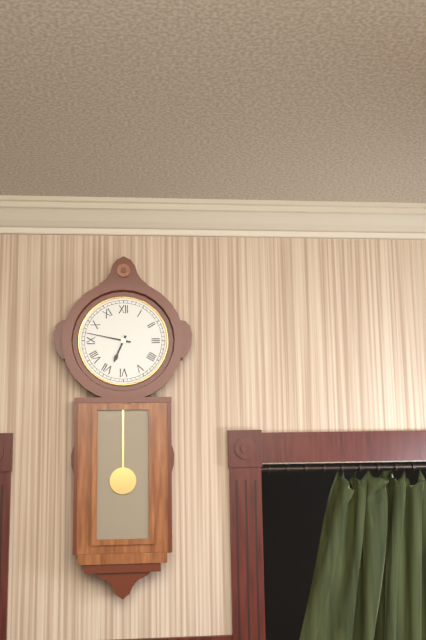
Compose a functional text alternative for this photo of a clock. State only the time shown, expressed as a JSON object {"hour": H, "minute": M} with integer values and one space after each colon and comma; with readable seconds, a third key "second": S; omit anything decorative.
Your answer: {"hour": 6, "minute": 47}
